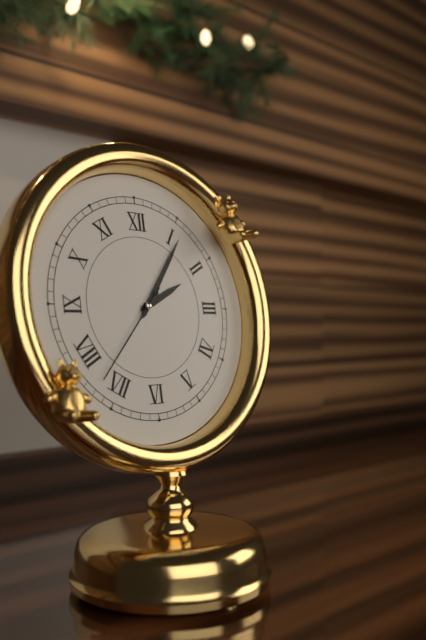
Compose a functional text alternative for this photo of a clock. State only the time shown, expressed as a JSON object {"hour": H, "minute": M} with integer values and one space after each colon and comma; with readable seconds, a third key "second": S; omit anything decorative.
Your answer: {"hour": 2, "minute": 6, "second": 37}
